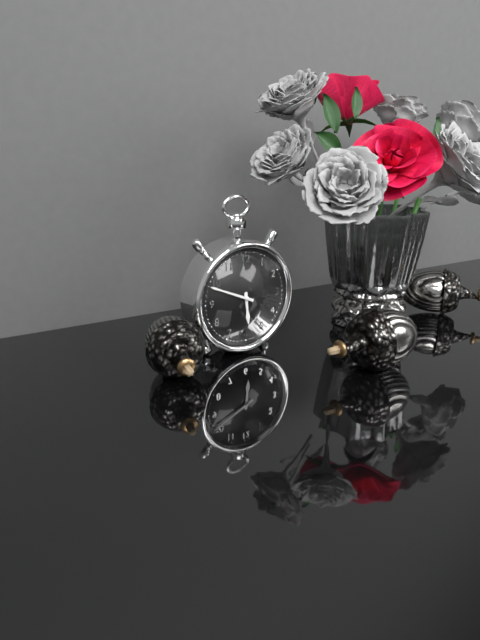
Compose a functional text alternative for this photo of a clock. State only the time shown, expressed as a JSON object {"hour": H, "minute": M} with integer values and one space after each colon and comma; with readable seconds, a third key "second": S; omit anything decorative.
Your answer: {"hour": 5, "minute": 49}
